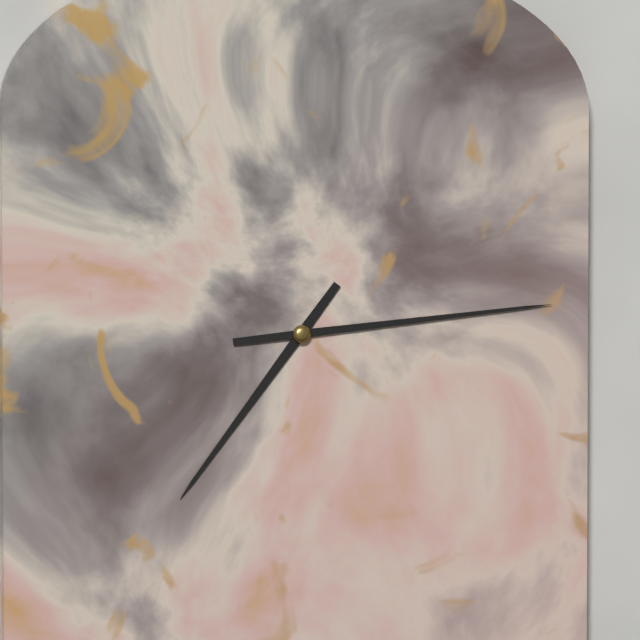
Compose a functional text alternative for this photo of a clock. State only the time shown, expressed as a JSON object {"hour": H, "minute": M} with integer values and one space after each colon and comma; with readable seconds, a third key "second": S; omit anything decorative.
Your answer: {"hour": 7, "minute": 14}
